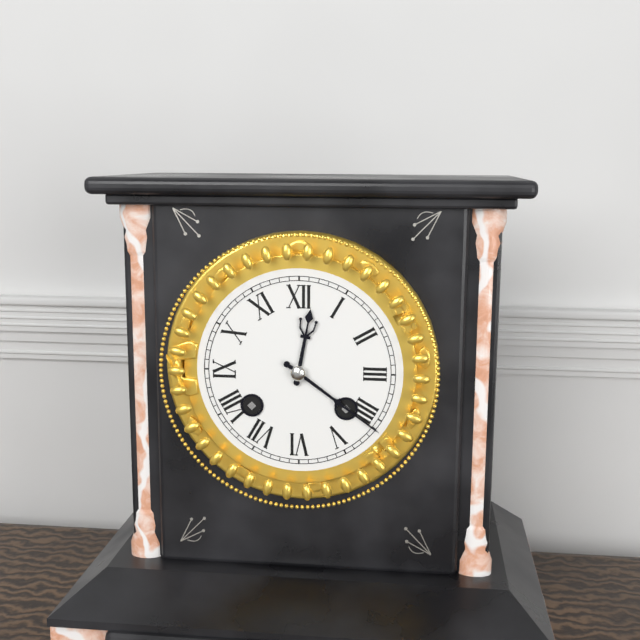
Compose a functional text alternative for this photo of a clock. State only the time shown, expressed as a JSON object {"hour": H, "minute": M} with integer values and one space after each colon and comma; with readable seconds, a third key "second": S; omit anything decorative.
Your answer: {"hour": 12, "minute": 21}
